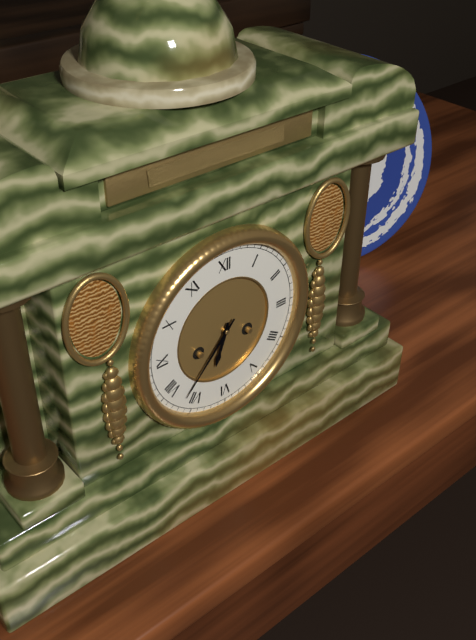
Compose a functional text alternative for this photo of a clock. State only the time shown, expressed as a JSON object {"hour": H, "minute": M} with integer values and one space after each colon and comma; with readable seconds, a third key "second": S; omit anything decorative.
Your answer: {"hour": 6, "minute": 37}
